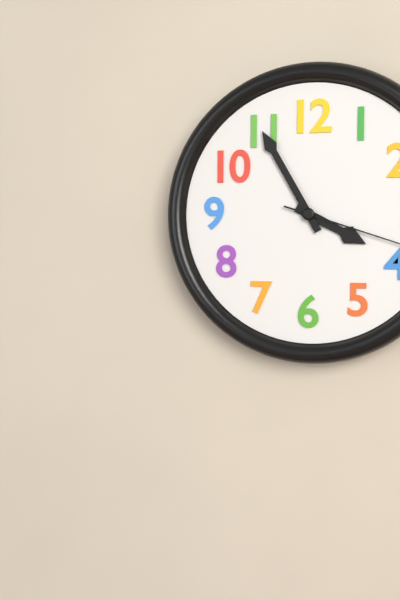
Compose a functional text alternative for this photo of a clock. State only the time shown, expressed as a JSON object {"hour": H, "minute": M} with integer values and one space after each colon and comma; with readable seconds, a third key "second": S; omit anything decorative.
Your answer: {"hour": 3, "minute": 55}
